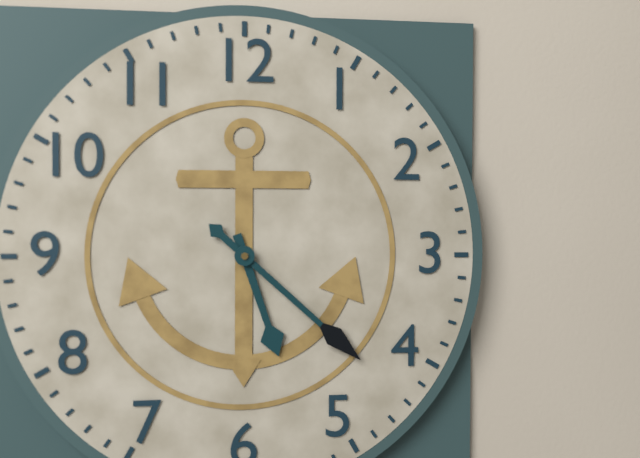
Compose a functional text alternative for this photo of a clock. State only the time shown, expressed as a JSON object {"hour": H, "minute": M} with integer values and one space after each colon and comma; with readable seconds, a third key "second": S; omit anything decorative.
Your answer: {"hour": 5, "minute": 22}
